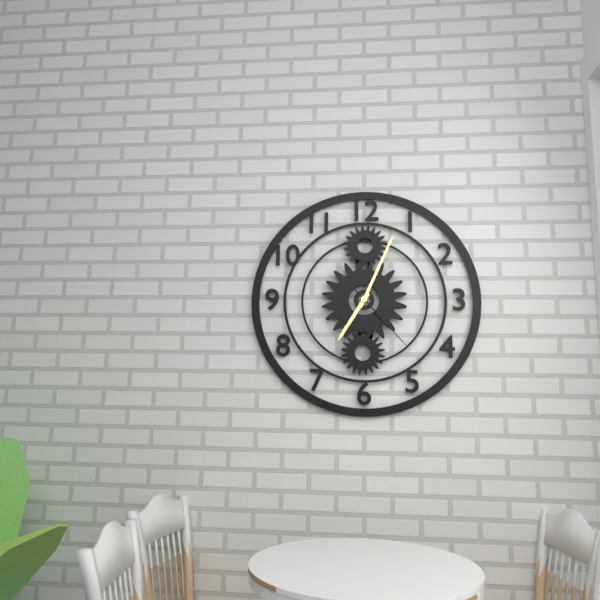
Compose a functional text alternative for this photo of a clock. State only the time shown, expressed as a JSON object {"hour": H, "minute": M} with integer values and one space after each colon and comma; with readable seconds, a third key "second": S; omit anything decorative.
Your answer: {"hour": 7, "minute": 4, "second": 23}
